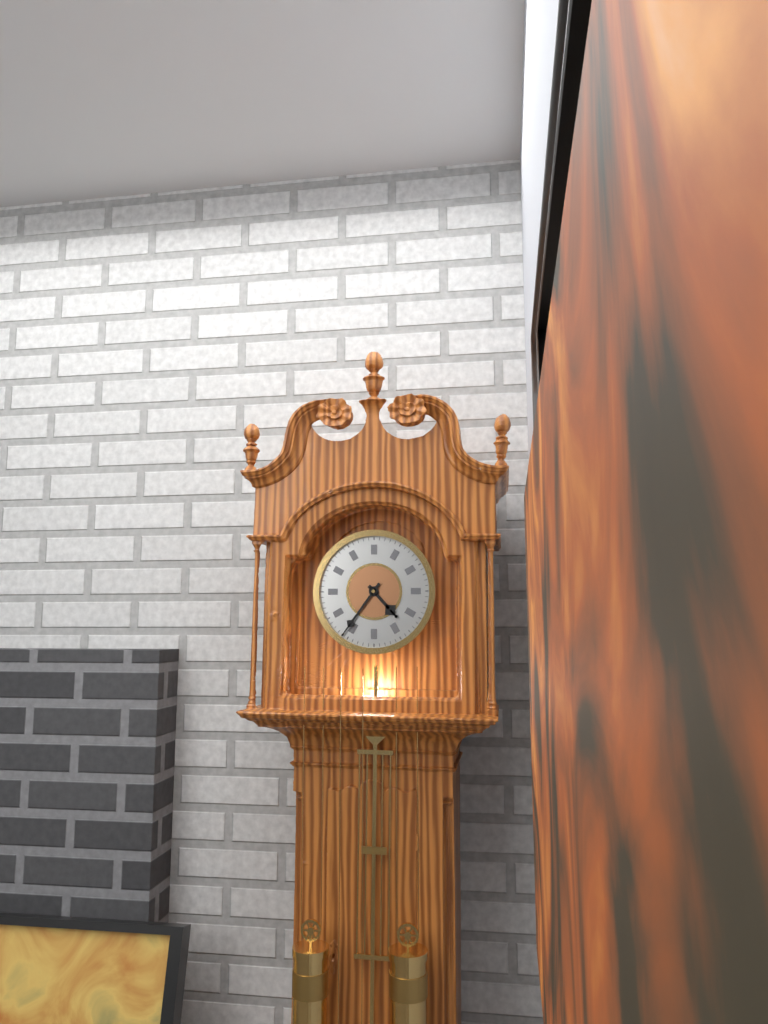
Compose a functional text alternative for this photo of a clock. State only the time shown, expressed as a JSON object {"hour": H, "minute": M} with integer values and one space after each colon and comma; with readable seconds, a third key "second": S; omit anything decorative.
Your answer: {"hour": 4, "minute": 36}
